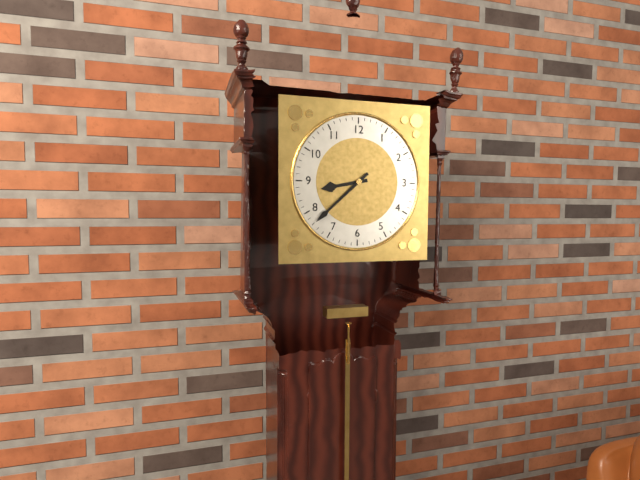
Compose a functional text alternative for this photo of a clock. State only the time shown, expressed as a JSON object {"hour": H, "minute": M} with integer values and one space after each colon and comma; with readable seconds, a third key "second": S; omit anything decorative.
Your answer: {"hour": 8, "minute": 38}
